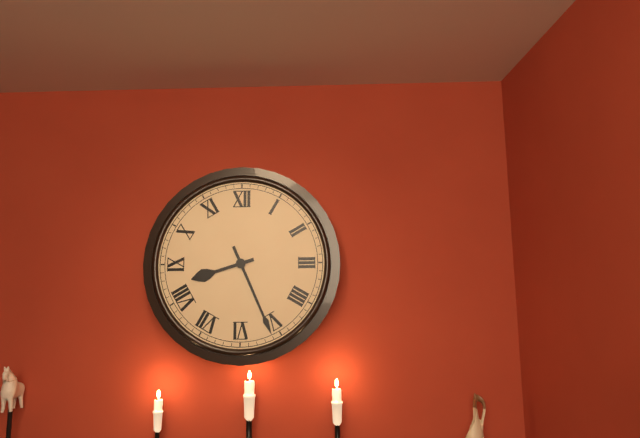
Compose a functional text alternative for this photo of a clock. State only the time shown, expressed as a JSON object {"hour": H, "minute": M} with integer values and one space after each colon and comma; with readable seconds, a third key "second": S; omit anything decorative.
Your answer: {"hour": 8, "minute": 26}
